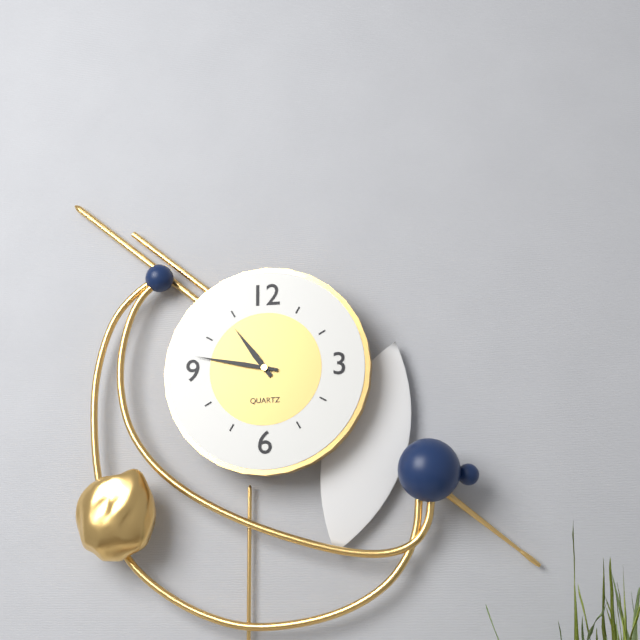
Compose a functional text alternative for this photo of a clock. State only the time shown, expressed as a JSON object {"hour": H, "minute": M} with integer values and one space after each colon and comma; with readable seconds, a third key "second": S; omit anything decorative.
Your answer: {"hour": 10, "minute": 47}
